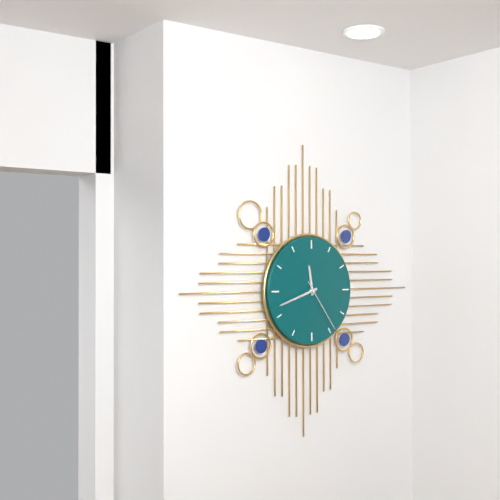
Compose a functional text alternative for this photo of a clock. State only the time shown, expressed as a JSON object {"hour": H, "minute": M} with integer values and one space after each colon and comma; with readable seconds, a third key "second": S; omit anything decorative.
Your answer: {"hour": 11, "minute": 42, "second": 24}
